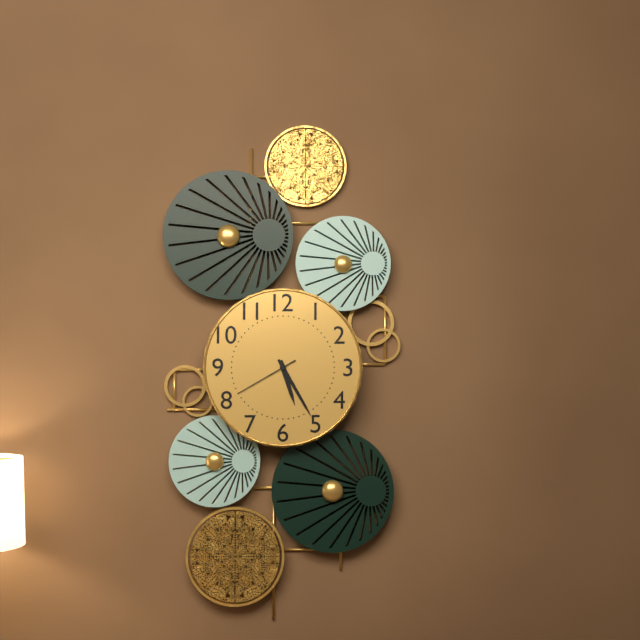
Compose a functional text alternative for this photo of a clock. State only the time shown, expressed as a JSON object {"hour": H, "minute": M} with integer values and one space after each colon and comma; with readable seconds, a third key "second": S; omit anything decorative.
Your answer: {"hour": 5, "minute": 25, "second": 40}
